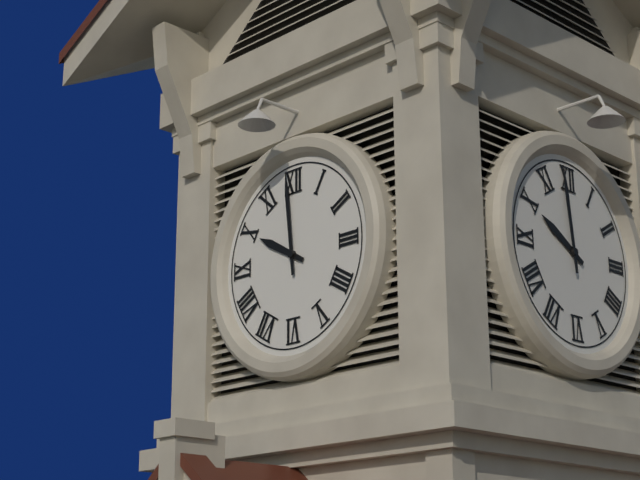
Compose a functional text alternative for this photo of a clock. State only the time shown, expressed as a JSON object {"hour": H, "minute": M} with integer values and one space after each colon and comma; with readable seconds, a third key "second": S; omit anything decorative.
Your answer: {"hour": 9, "minute": 59}
